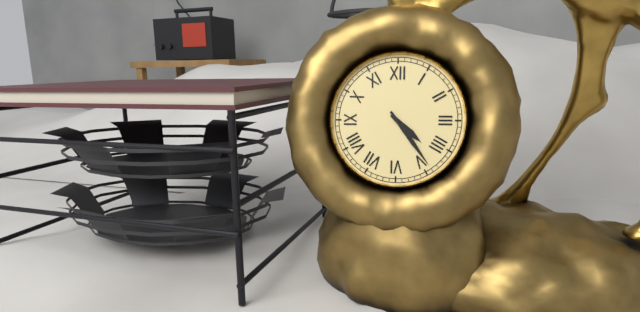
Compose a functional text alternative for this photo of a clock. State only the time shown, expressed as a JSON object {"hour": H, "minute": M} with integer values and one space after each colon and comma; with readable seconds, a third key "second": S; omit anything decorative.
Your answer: {"hour": 4, "minute": 24}
